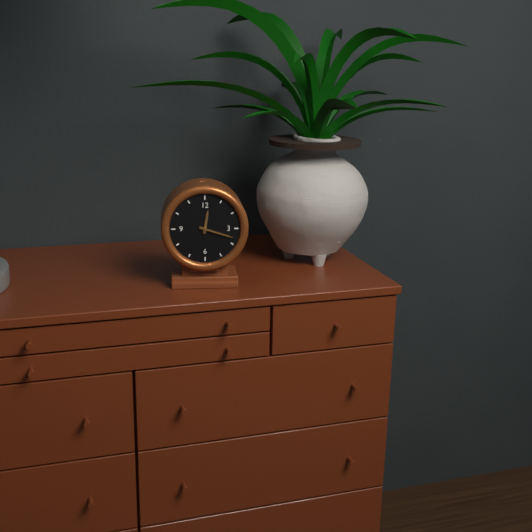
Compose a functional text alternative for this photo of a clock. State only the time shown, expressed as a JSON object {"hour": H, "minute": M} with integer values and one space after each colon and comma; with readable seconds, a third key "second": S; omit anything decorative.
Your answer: {"hour": 12, "minute": 18}
